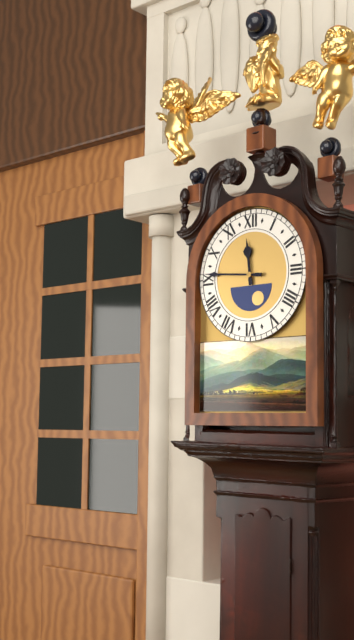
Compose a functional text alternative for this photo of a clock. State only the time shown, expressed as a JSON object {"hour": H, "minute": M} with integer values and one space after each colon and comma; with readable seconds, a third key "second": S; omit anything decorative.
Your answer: {"hour": 11, "minute": 46}
